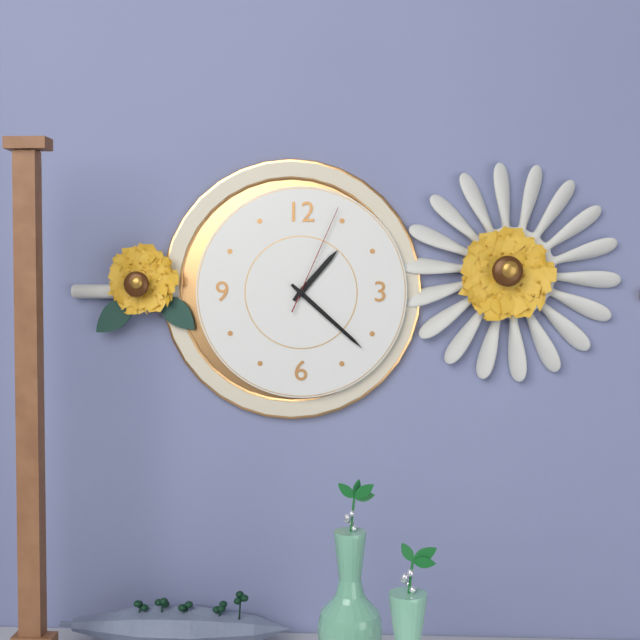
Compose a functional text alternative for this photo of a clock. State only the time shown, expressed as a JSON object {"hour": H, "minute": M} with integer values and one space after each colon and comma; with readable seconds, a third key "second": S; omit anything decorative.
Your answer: {"hour": 1, "minute": 22, "second": 4}
